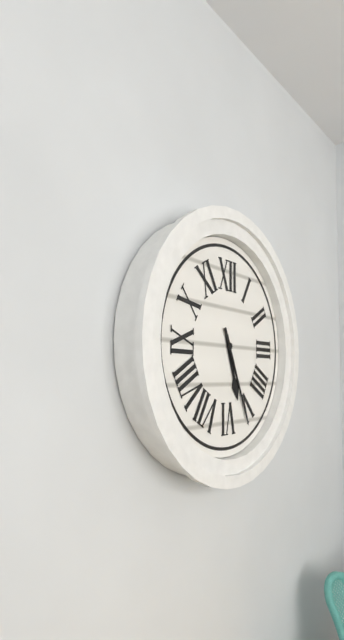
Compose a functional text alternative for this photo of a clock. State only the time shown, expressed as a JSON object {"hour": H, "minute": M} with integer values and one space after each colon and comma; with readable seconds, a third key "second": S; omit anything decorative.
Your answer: {"hour": 5, "minute": 26}
